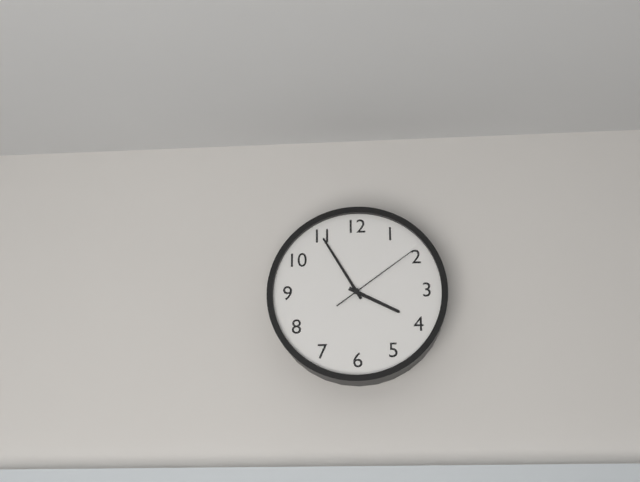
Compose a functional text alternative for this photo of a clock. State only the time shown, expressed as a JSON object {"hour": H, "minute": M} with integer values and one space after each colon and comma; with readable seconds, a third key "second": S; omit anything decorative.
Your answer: {"hour": 3, "minute": 55, "second": 9}
